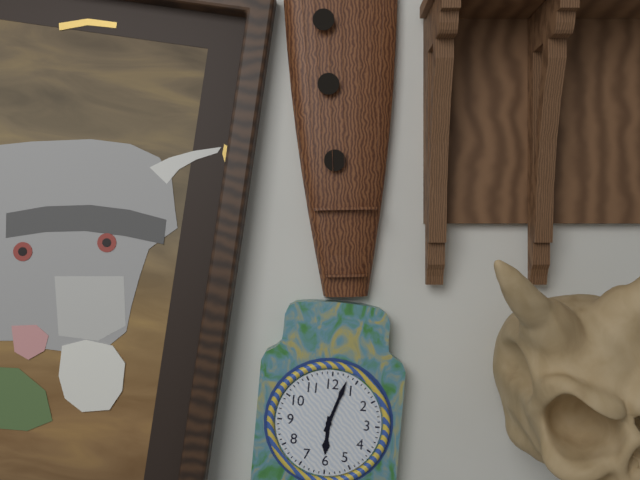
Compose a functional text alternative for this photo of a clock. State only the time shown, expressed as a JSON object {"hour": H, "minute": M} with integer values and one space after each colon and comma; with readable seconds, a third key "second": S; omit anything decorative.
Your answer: {"hour": 6, "minute": 3}
